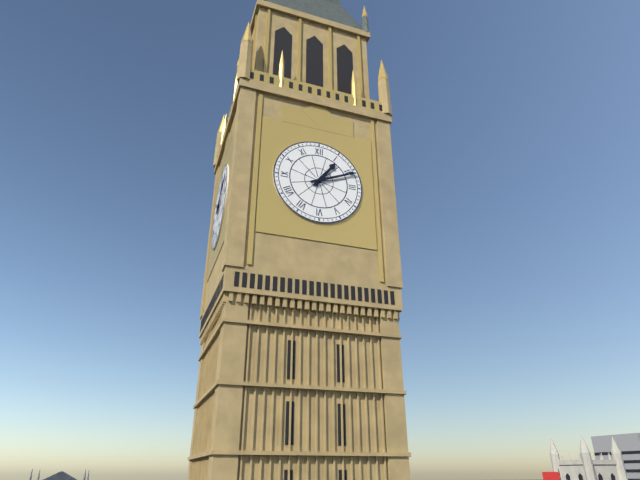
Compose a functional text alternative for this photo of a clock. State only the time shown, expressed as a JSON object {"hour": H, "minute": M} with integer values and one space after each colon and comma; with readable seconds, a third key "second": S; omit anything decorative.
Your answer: {"hour": 1, "minute": 11}
